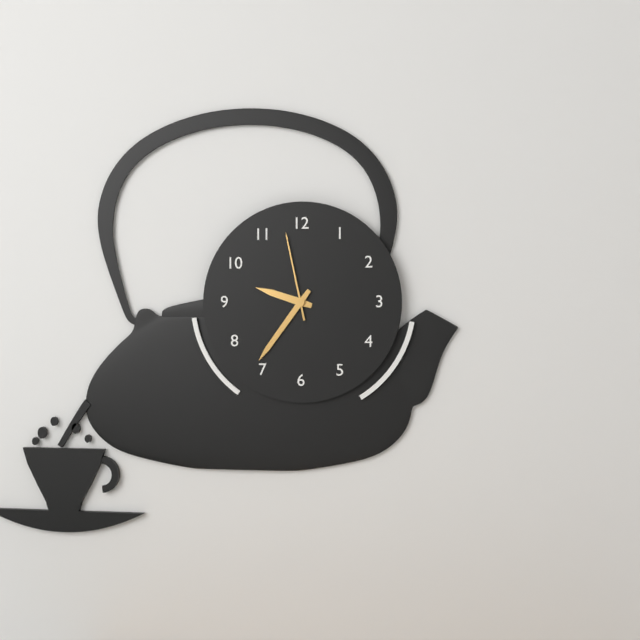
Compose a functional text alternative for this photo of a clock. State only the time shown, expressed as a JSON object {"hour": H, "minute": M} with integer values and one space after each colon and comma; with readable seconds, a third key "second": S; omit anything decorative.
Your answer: {"hour": 9, "minute": 36, "second": 58}
